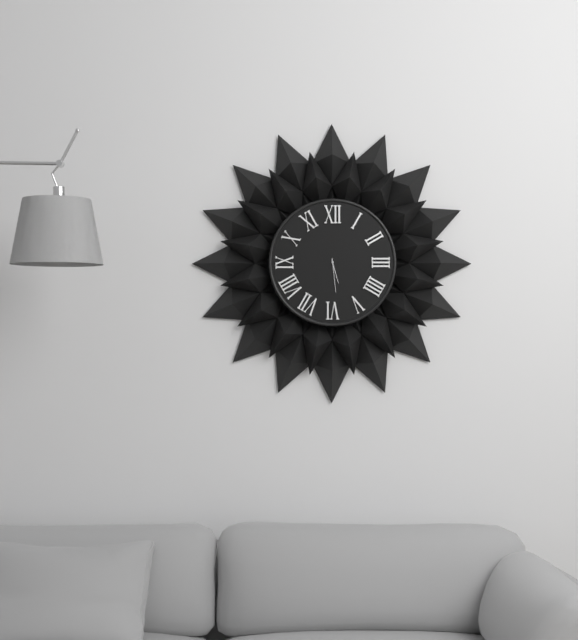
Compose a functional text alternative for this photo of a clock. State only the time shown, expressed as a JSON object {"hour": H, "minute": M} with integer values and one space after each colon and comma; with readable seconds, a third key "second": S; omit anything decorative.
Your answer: {"hour": 5, "minute": 29}
